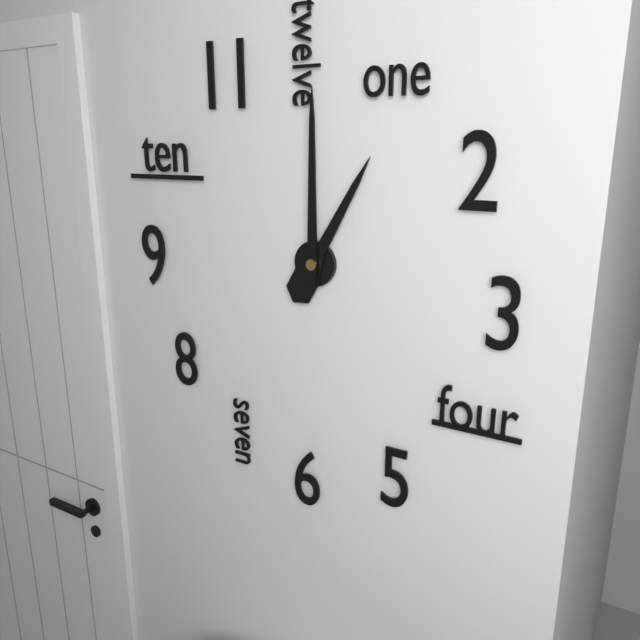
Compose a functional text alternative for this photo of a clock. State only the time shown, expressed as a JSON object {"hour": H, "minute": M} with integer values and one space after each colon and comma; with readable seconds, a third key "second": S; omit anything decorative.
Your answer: {"hour": 1, "minute": 0}
